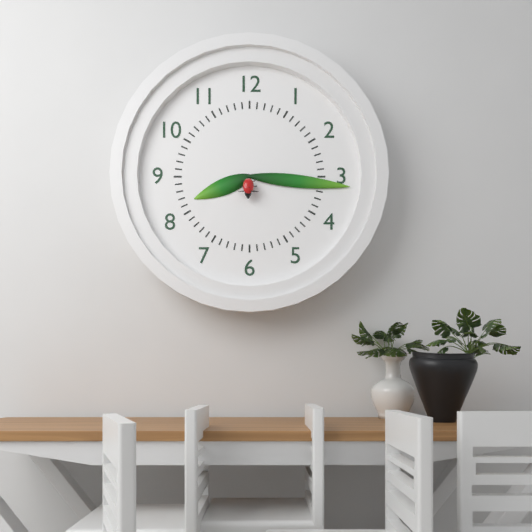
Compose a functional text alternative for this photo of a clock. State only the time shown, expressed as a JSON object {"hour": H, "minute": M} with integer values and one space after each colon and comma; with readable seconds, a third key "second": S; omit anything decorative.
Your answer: {"hour": 8, "minute": 16}
